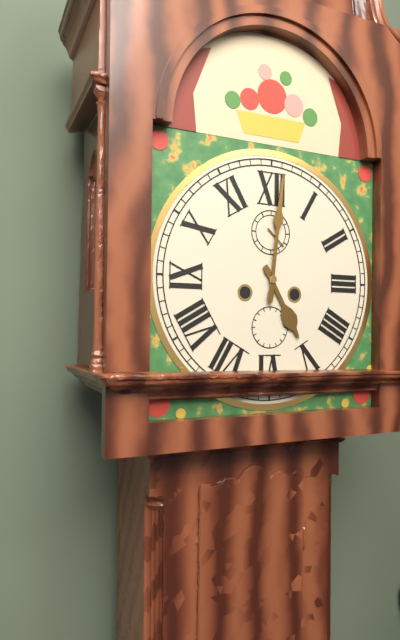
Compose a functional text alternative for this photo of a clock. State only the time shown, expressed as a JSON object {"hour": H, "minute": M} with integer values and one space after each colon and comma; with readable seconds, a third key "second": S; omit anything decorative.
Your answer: {"hour": 5, "minute": 1}
